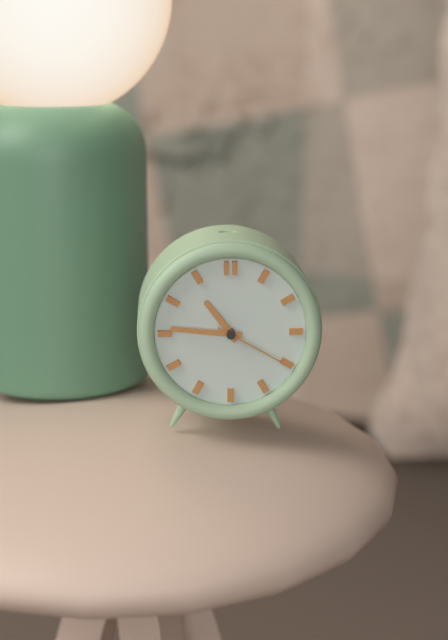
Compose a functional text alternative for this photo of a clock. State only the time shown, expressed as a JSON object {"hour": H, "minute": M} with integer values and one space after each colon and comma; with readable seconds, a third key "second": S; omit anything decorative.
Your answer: {"hour": 10, "minute": 46, "second": 20}
